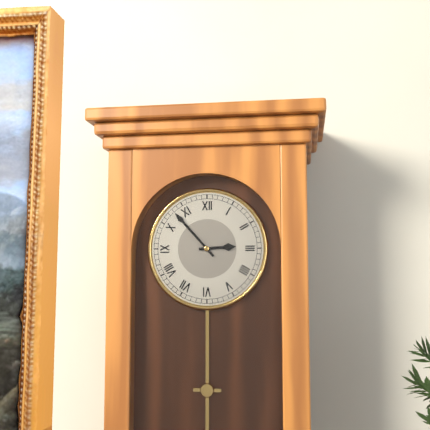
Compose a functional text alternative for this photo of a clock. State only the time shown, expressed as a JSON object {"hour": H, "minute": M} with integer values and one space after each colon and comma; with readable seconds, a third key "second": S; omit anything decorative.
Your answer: {"hour": 2, "minute": 53}
